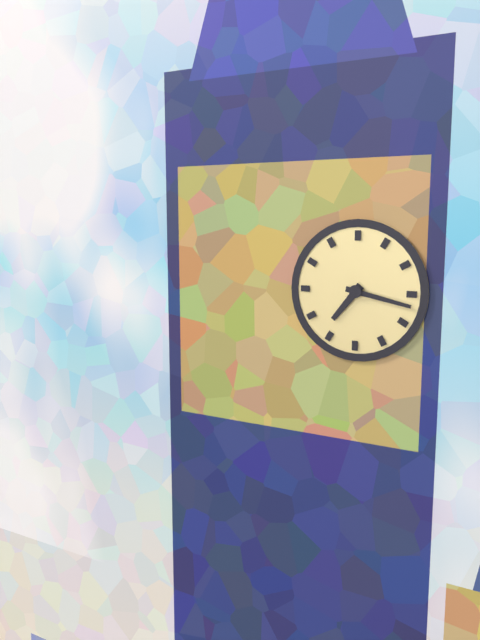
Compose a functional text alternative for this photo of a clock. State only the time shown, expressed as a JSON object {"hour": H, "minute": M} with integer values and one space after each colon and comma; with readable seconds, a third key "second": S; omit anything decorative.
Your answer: {"hour": 7, "minute": 17}
